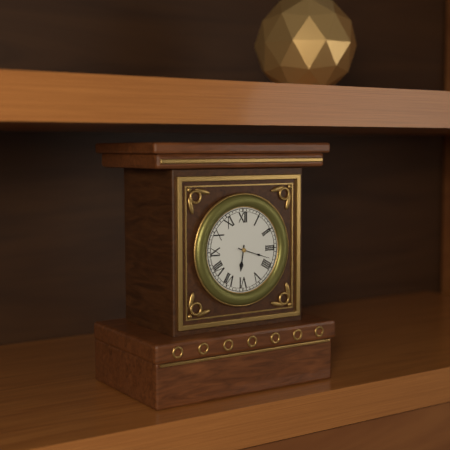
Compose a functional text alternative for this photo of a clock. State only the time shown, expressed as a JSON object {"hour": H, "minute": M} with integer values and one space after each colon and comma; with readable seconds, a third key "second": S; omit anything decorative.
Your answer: {"hour": 6, "minute": 18}
